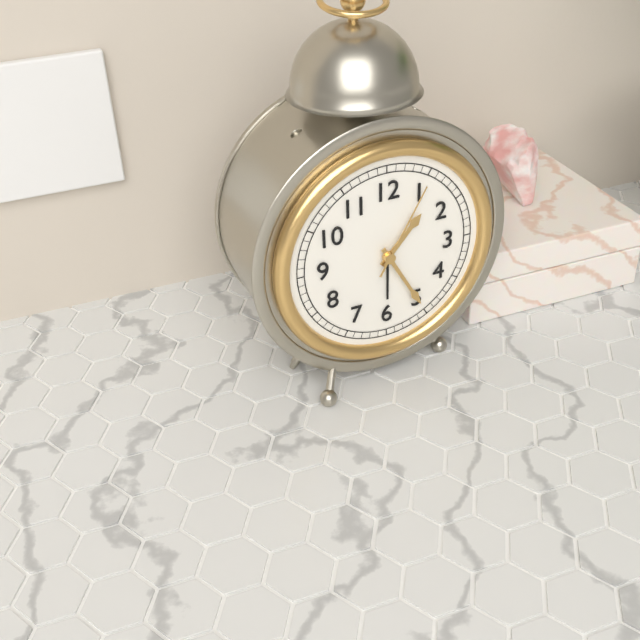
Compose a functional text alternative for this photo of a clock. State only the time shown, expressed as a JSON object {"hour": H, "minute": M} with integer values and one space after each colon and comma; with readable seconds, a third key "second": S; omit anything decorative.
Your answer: {"hour": 1, "minute": 25, "second": 5}
